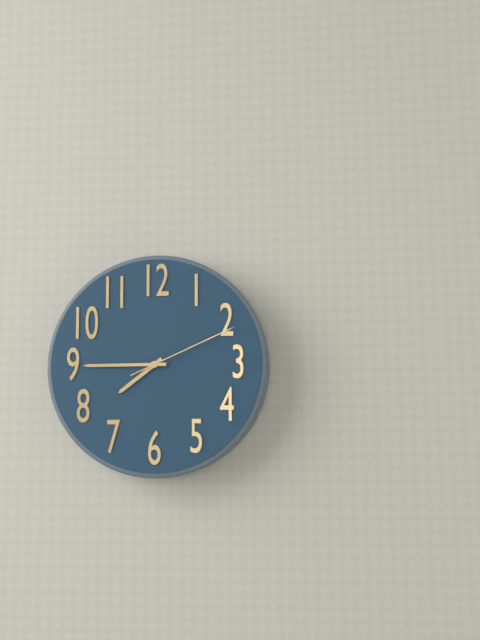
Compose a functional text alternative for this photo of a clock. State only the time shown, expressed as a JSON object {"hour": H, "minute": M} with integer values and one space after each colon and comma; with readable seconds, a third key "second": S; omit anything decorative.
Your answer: {"hour": 7, "minute": 45, "second": 11}
